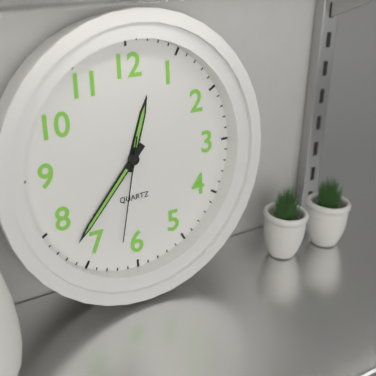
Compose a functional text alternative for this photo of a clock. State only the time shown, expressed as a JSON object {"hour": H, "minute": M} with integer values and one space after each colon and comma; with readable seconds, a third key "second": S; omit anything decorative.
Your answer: {"hour": 12, "minute": 37, "second": 32}
